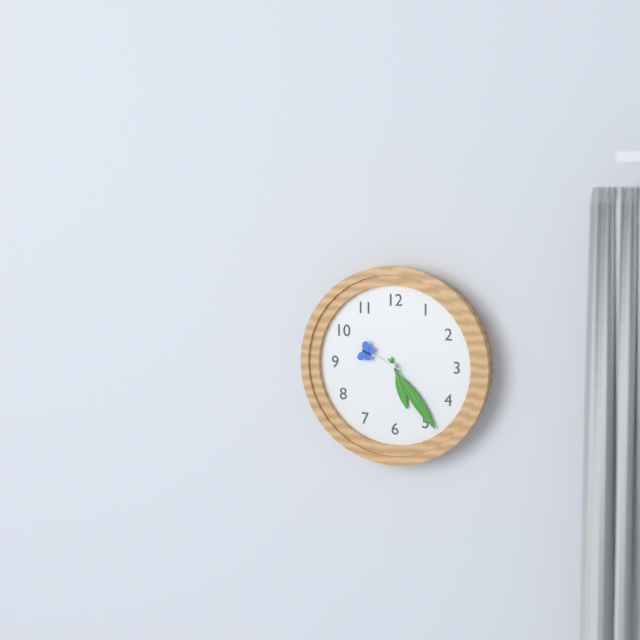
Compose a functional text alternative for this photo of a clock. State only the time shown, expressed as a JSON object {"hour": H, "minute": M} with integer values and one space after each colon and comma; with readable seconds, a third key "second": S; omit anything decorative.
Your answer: {"hour": 5, "minute": 24}
